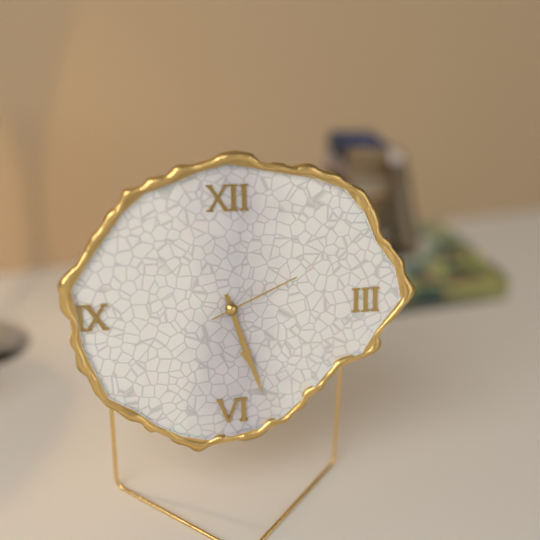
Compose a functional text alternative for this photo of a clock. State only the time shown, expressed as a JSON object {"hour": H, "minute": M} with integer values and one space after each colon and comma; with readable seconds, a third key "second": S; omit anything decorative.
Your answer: {"hour": 5, "minute": 27, "second": 11}
